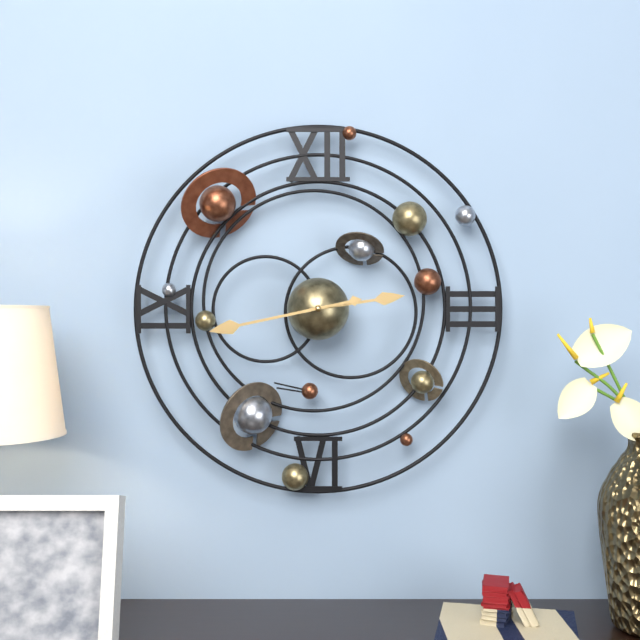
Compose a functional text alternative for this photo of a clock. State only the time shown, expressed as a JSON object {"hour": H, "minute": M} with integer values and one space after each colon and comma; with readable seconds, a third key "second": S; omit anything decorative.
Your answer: {"hour": 2, "minute": 43}
